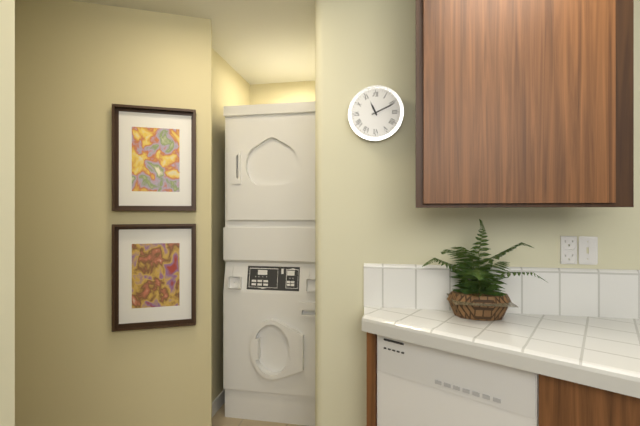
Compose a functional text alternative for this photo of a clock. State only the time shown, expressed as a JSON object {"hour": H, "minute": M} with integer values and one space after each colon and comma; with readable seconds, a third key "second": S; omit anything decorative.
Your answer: {"hour": 11, "minute": 11}
